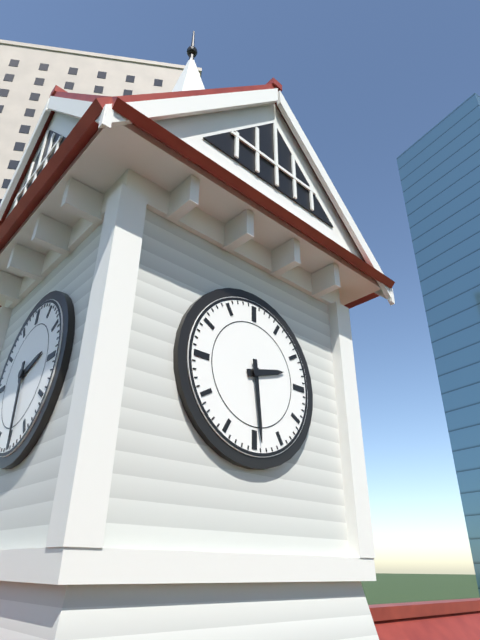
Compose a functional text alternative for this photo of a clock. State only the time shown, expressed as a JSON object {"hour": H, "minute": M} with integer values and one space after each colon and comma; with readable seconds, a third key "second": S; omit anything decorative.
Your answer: {"hour": 2, "minute": 29}
